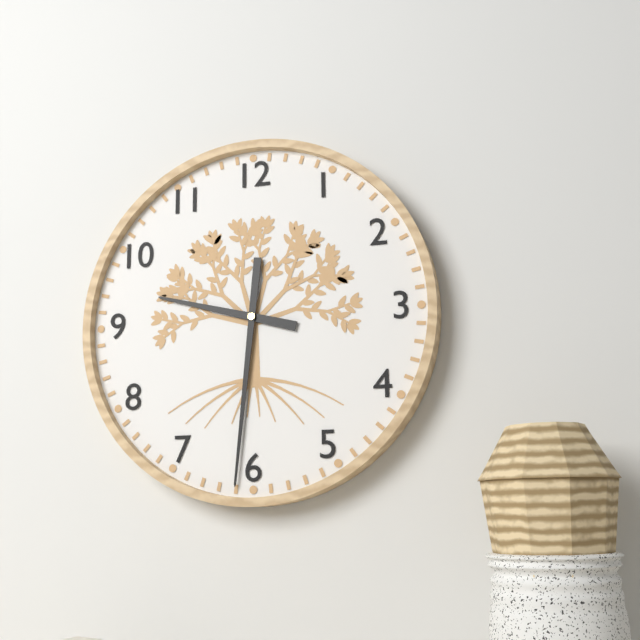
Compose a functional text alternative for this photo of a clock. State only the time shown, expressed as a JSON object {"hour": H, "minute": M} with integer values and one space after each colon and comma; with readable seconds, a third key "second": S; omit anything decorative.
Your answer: {"hour": 9, "minute": 31}
